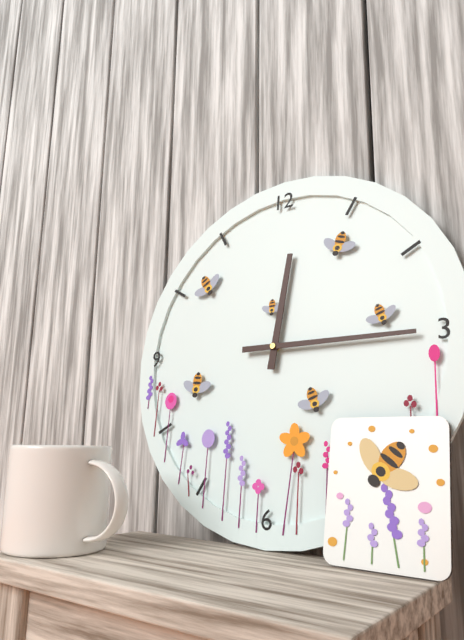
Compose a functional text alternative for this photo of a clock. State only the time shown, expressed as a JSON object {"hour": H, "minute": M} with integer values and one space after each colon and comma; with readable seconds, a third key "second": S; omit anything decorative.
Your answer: {"hour": 12, "minute": 15}
